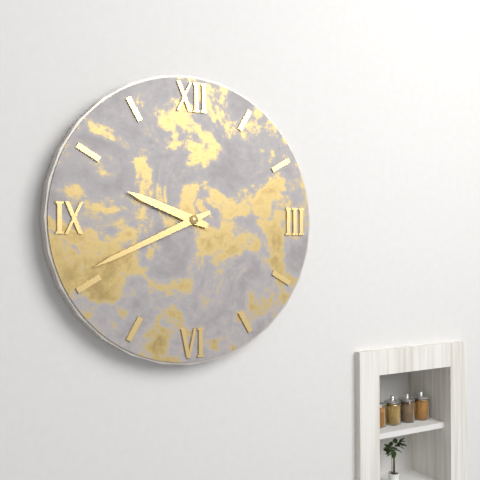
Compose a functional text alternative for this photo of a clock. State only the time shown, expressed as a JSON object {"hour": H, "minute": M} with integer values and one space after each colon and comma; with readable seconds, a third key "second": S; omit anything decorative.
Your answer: {"hour": 9, "minute": 41}
